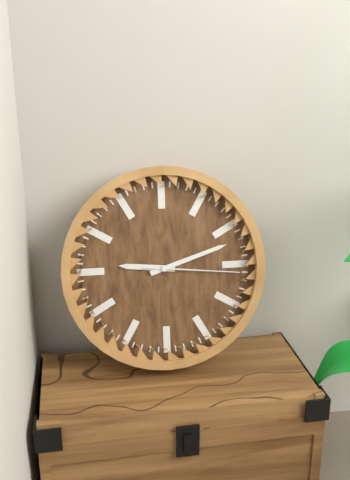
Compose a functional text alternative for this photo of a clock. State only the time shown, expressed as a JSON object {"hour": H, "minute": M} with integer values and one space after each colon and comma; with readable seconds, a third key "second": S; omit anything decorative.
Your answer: {"hour": 9, "minute": 12, "second": 16}
